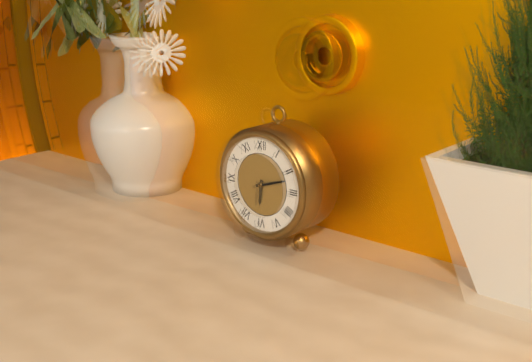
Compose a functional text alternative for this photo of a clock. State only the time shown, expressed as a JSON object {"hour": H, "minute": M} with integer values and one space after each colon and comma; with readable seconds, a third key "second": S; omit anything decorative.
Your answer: {"hour": 6, "minute": 12}
